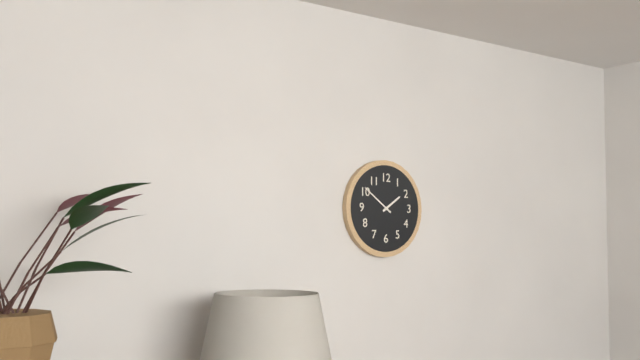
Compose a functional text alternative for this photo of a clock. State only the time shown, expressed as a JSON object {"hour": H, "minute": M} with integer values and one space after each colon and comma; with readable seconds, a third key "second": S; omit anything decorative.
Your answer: {"hour": 1, "minute": 51}
